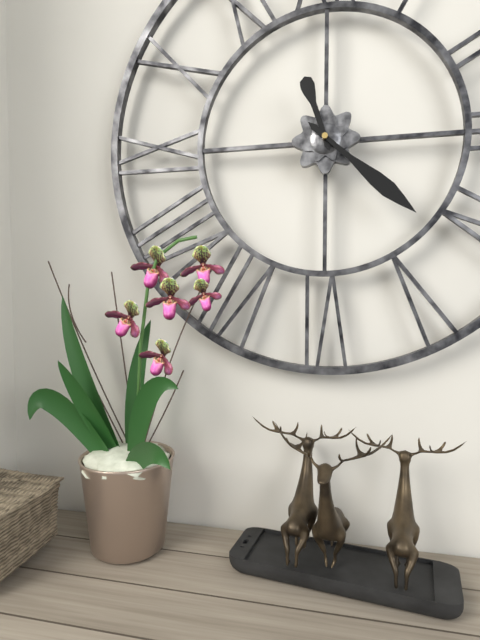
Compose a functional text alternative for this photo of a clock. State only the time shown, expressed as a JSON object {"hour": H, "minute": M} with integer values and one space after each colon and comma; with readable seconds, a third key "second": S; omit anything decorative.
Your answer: {"hour": 11, "minute": 22}
